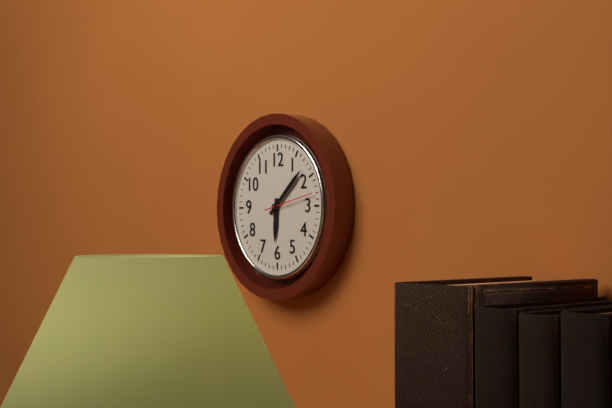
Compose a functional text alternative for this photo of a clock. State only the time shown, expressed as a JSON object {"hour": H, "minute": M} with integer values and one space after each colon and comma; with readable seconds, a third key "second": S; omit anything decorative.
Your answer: {"hour": 6, "minute": 8, "second": 13}
